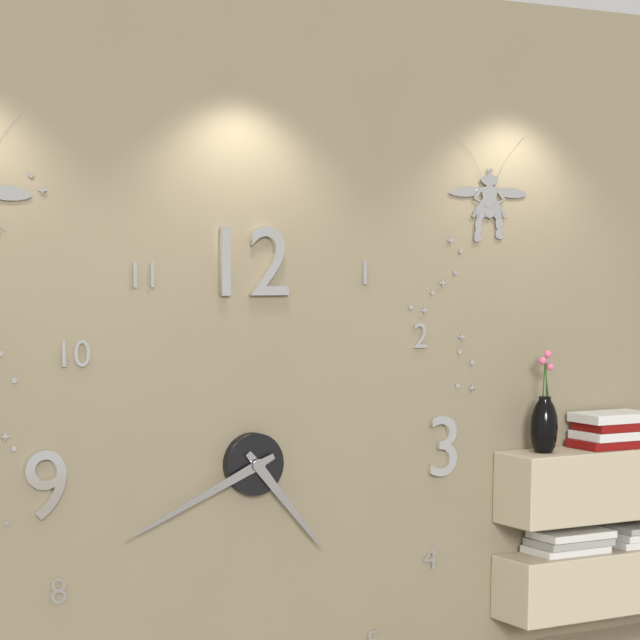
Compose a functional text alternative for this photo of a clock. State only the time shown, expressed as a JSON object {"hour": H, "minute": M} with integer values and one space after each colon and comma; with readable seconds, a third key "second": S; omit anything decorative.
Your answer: {"hour": 4, "minute": 41}
